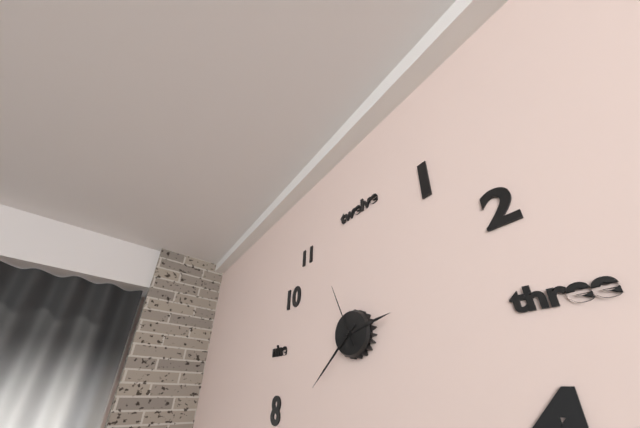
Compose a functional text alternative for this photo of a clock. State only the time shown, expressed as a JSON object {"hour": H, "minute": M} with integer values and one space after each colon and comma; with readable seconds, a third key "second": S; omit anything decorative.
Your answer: {"hour": 2, "minute": 38, "second": 56}
